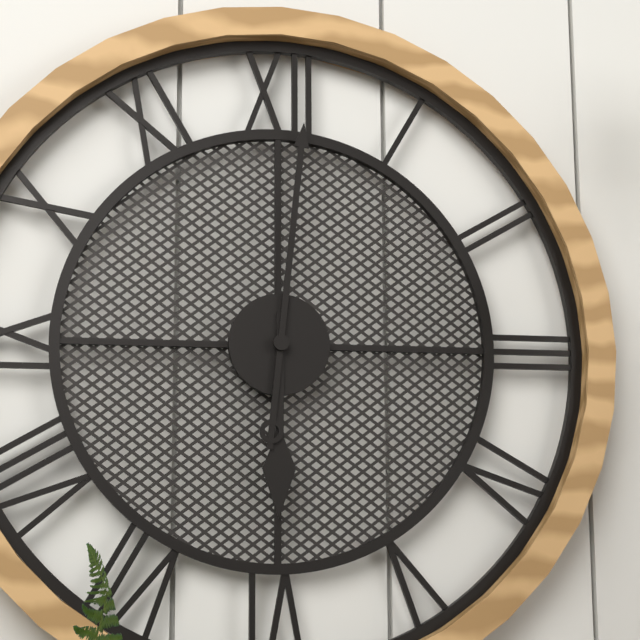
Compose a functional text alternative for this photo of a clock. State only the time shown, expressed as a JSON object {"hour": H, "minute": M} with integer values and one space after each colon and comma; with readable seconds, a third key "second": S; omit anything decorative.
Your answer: {"hour": 6, "minute": 1}
